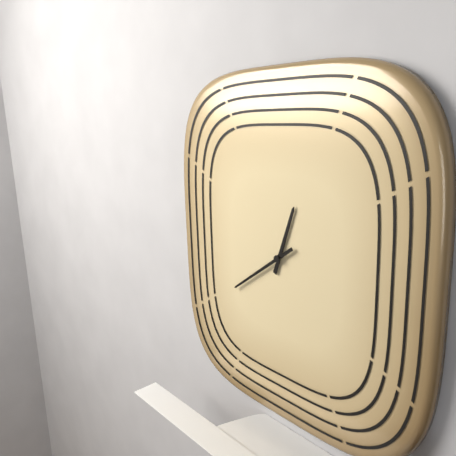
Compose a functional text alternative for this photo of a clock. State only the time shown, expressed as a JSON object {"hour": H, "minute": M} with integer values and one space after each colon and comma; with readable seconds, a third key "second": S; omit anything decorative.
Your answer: {"hour": 12, "minute": 39}
